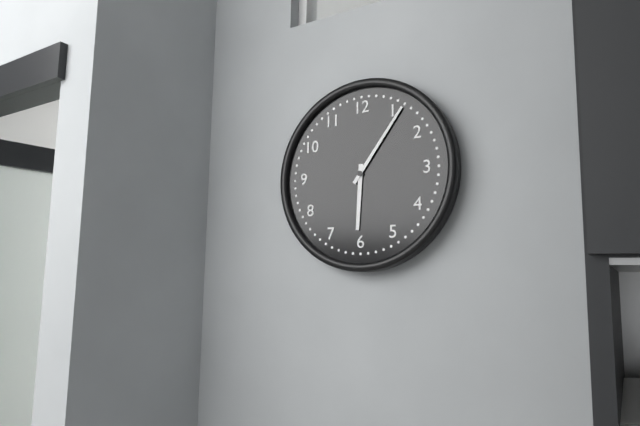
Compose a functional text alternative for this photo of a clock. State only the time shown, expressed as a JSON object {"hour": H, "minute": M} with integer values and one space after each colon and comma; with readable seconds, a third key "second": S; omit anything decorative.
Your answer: {"hour": 6, "minute": 6}
